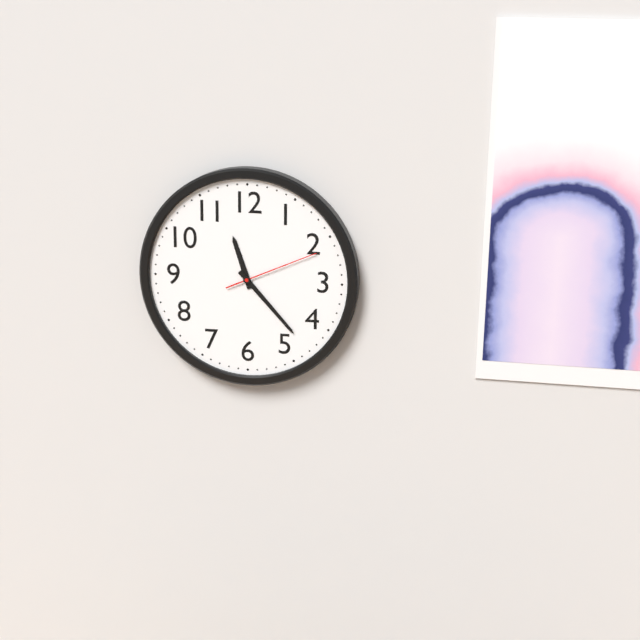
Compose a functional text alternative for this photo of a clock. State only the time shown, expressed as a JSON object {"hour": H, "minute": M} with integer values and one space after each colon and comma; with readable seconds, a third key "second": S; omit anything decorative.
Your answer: {"hour": 11, "minute": 23, "second": 11}
